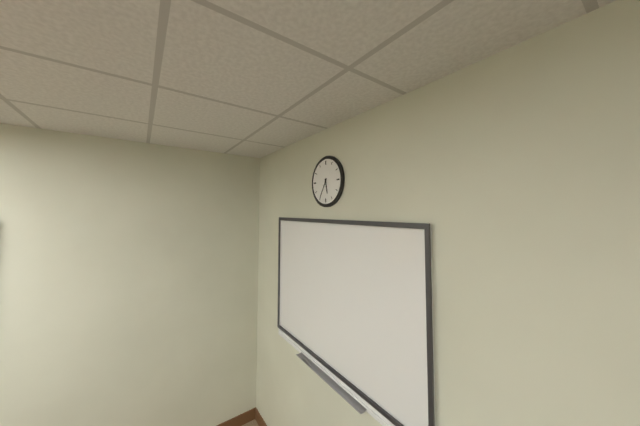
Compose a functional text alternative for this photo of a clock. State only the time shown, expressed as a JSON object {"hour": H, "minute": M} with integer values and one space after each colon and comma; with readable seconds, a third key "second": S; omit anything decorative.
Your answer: {"hour": 5, "minute": 35}
